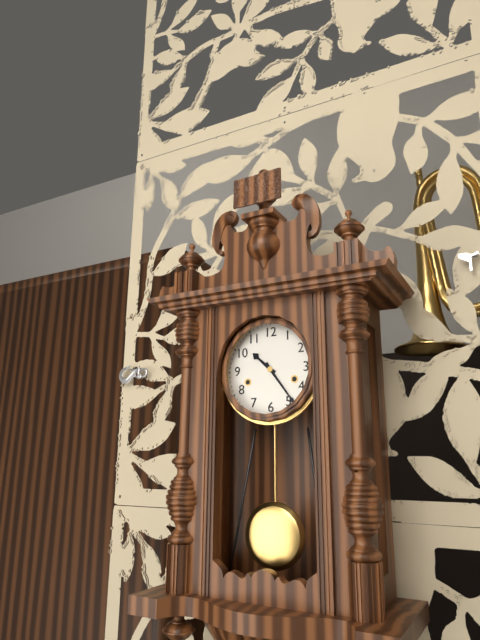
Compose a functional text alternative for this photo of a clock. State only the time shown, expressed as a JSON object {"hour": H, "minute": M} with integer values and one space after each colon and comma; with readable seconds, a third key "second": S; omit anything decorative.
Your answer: {"hour": 10, "minute": 24}
